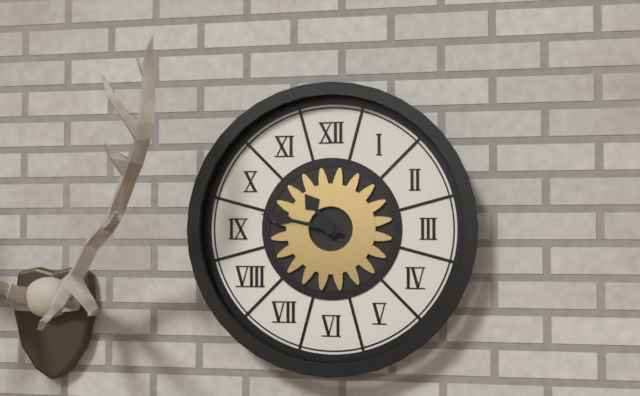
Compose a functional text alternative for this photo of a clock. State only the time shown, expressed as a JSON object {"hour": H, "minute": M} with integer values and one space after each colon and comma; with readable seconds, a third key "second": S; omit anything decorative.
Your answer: {"hour": 10, "minute": 47}
